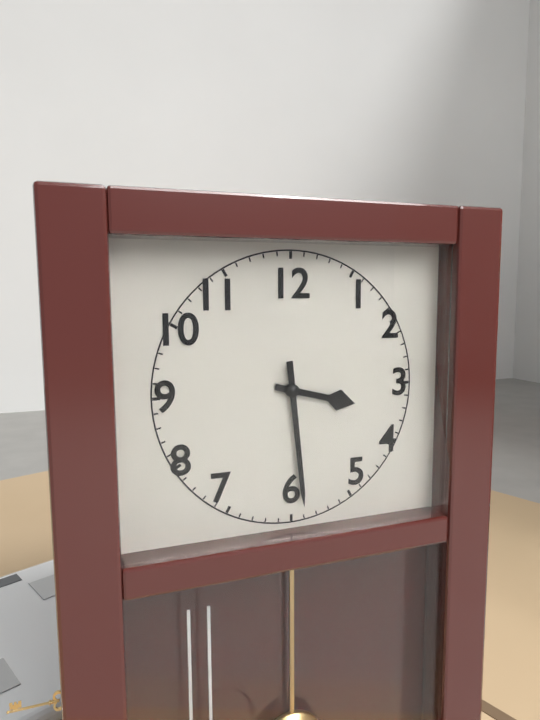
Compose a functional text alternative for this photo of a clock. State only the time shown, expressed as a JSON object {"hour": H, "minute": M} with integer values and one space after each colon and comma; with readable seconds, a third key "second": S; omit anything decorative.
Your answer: {"hour": 3, "minute": 29}
